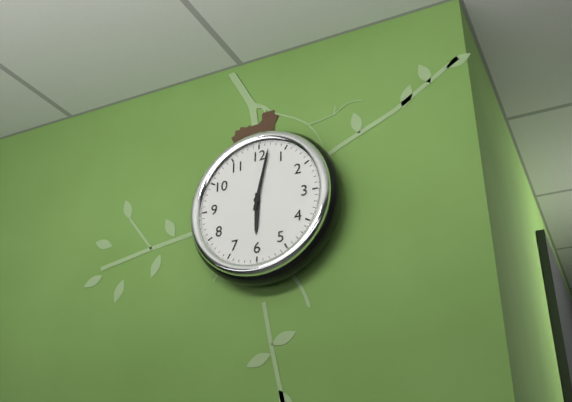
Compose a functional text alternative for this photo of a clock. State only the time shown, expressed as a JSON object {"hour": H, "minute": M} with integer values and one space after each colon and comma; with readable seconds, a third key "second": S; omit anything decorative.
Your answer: {"hour": 6, "minute": 2}
